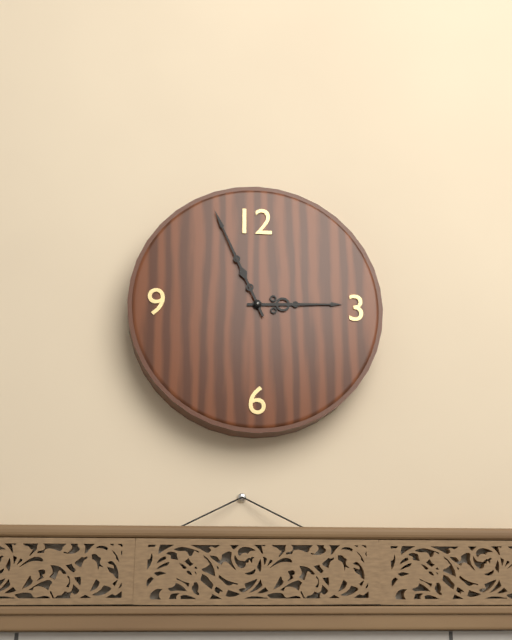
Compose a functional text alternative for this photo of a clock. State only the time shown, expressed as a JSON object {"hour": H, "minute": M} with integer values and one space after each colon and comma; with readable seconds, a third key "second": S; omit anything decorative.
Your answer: {"hour": 2, "minute": 56}
